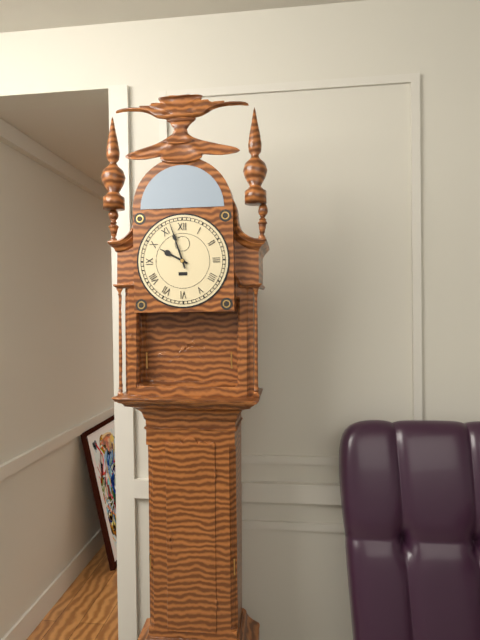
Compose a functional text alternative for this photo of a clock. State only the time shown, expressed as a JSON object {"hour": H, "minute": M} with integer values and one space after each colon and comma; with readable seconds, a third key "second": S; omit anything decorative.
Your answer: {"hour": 9, "minute": 57}
